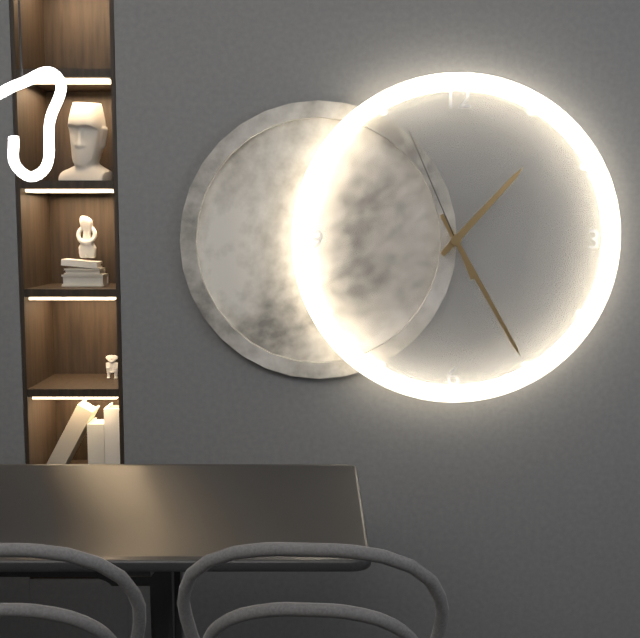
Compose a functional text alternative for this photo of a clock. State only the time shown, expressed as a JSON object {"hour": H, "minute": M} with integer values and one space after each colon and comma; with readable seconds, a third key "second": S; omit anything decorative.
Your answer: {"hour": 1, "minute": 25, "second": 56}
